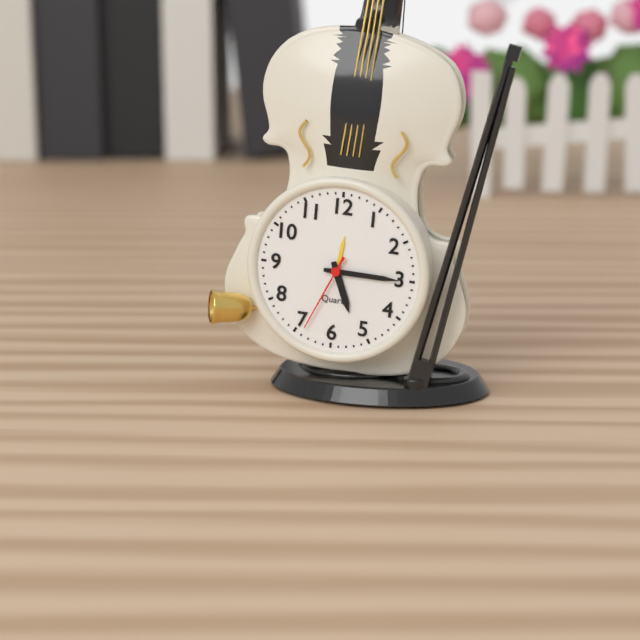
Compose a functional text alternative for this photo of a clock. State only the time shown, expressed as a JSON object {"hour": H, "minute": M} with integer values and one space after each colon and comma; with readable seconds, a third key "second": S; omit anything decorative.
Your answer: {"hour": 5, "minute": 15, "second": 34}
